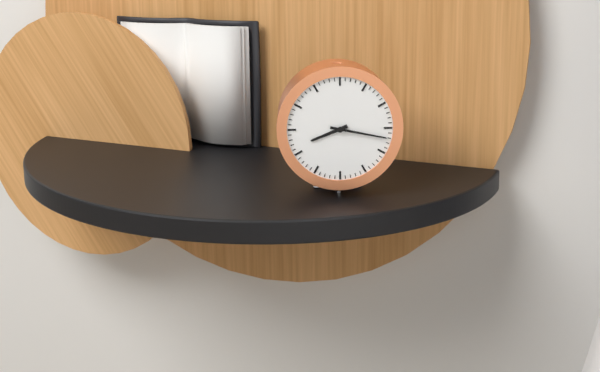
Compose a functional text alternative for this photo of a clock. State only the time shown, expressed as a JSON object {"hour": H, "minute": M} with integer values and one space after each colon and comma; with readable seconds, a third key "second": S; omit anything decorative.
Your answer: {"hour": 8, "minute": 17}
